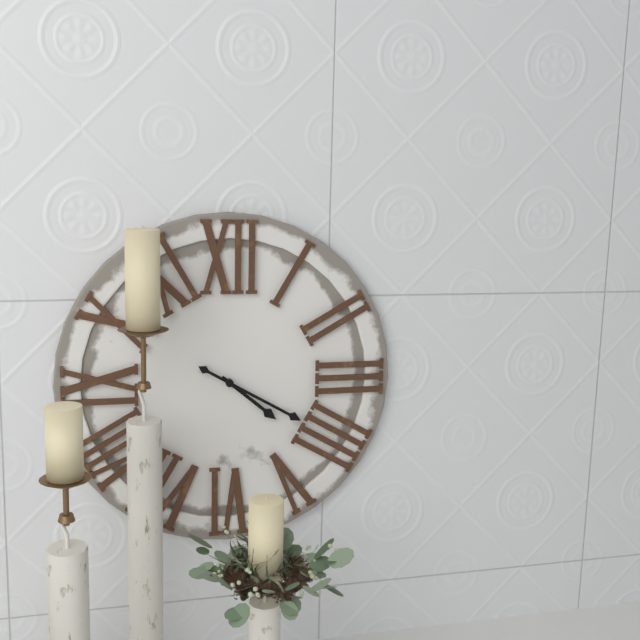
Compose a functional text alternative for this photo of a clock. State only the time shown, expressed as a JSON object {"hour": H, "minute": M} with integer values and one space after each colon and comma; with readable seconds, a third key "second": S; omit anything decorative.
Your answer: {"hour": 4, "minute": 20}
